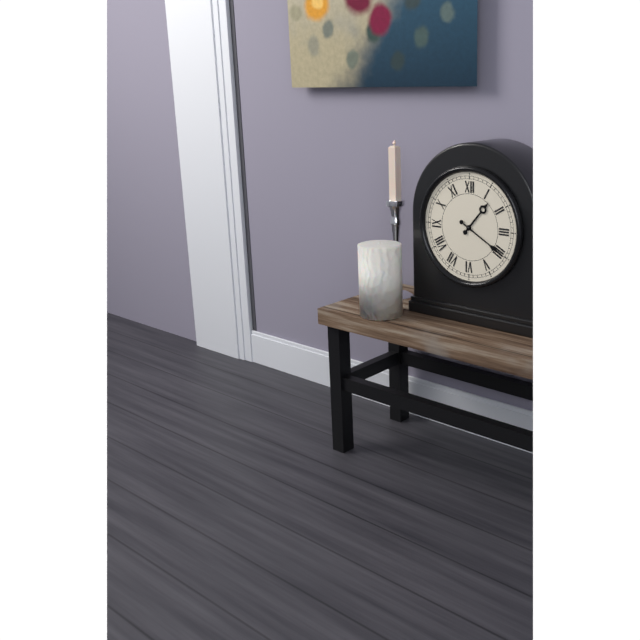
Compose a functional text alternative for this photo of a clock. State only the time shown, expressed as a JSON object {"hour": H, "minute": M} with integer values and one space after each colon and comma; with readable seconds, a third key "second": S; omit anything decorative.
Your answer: {"hour": 1, "minute": 20}
